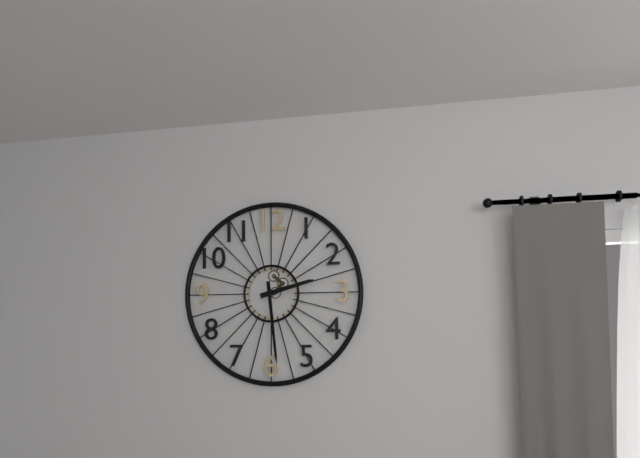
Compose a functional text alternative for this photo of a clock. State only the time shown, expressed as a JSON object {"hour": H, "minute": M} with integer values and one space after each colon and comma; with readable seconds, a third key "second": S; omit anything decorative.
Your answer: {"hour": 2, "minute": 29}
